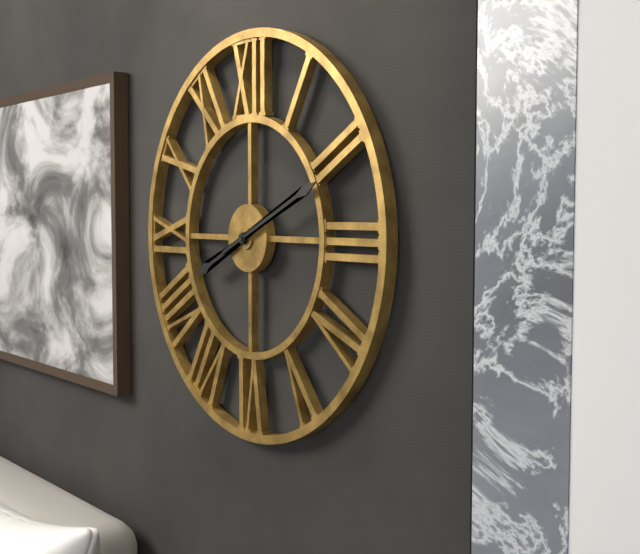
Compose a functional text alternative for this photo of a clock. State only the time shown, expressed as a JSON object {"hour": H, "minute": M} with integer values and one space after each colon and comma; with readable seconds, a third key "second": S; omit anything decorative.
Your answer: {"hour": 8, "minute": 11}
